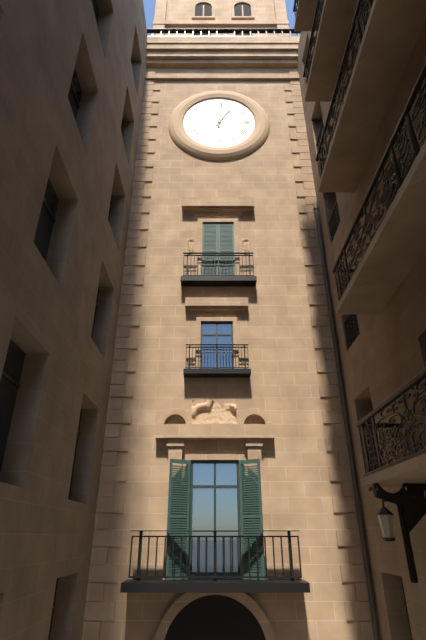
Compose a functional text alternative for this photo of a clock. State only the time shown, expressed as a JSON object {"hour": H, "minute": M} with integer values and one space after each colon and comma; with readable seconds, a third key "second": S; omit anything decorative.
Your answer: {"hour": 1, "minute": 1}
